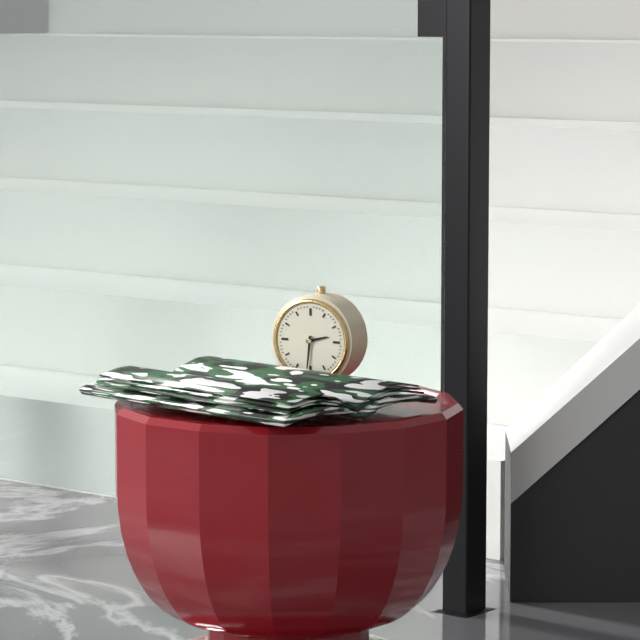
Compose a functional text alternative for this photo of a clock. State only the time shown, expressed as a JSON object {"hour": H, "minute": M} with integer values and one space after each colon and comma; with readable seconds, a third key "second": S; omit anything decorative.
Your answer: {"hour": 2, "minute": 31}
